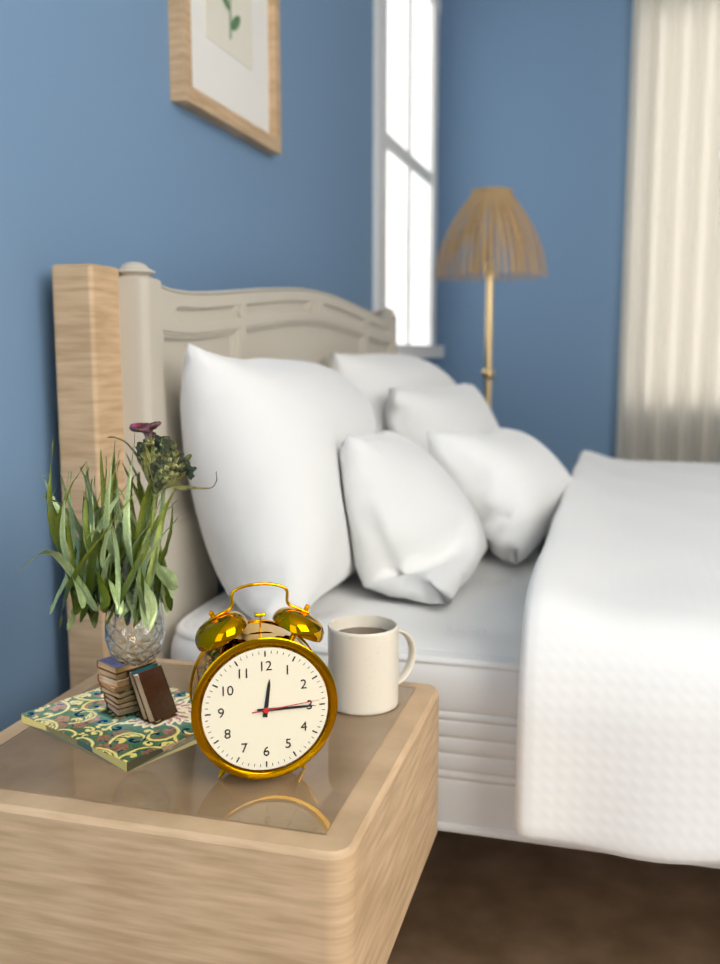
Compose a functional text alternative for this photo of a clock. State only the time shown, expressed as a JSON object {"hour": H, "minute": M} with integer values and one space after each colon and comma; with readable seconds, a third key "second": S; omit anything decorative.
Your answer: {"hour": 12, "minute": 15, "second": 14}
